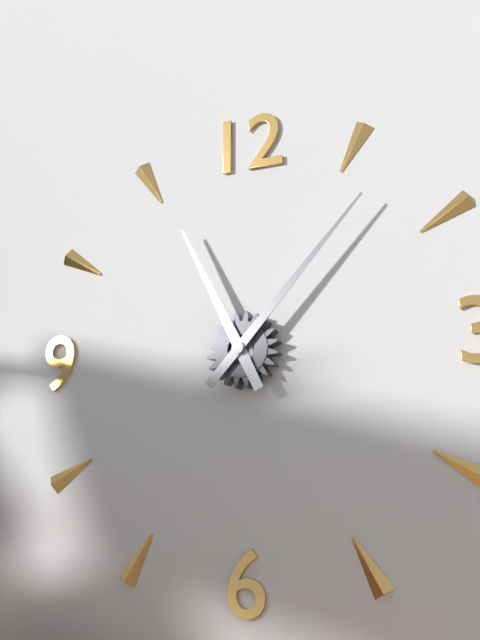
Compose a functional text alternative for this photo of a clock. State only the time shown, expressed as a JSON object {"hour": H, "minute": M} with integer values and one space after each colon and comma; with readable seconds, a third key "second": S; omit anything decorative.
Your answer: {"hour": 11, "minute": 7}
